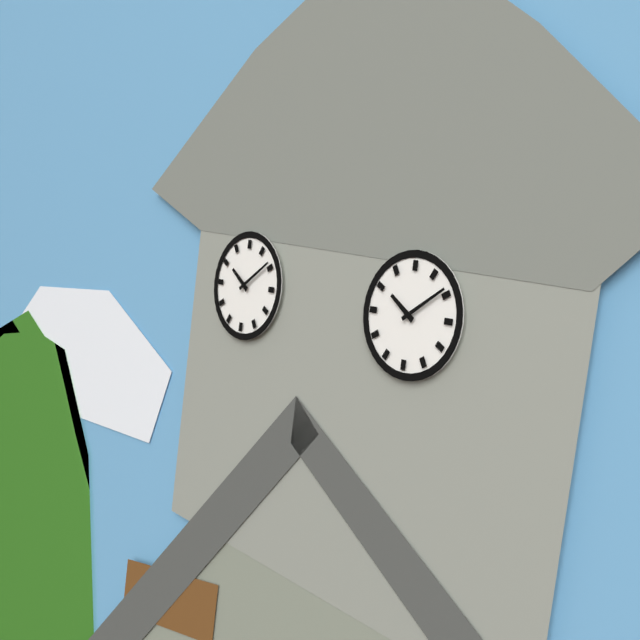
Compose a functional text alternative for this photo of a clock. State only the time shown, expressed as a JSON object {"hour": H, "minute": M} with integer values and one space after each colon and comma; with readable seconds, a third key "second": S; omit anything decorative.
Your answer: {"hour": 10, "minute": 9}
